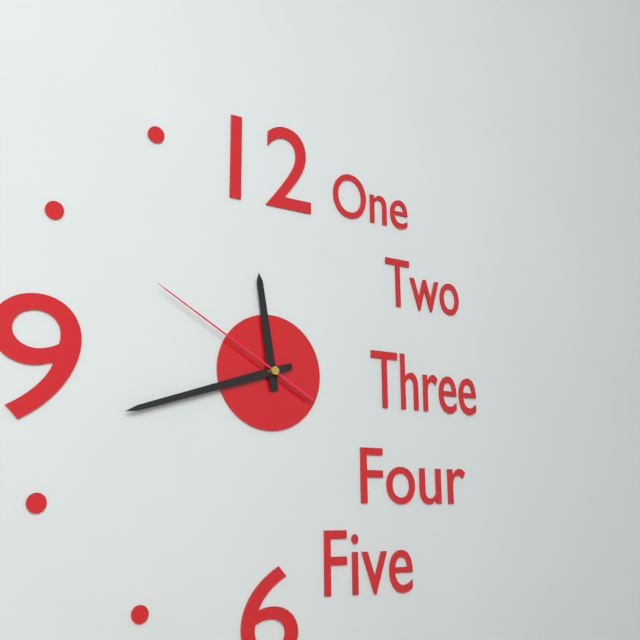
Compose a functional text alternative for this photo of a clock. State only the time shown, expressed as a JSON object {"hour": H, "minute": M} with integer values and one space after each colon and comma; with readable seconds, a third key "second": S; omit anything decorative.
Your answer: {"hour": 11, "minute": 42, "second": 50}
